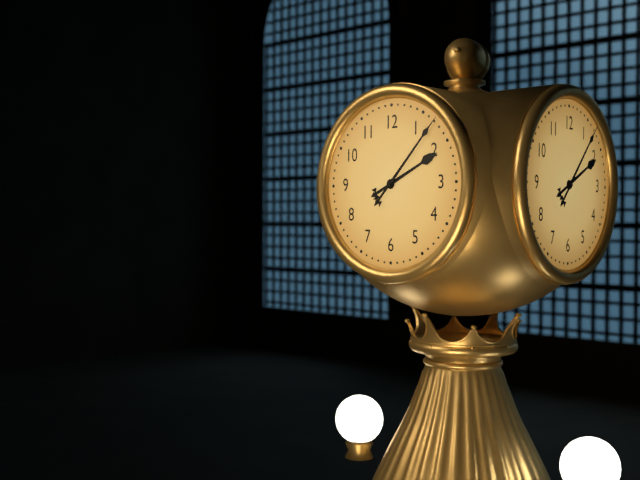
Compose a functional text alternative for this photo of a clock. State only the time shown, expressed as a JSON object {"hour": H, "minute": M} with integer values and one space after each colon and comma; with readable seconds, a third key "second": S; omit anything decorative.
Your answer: {"hour": 2, "minute": 7}
